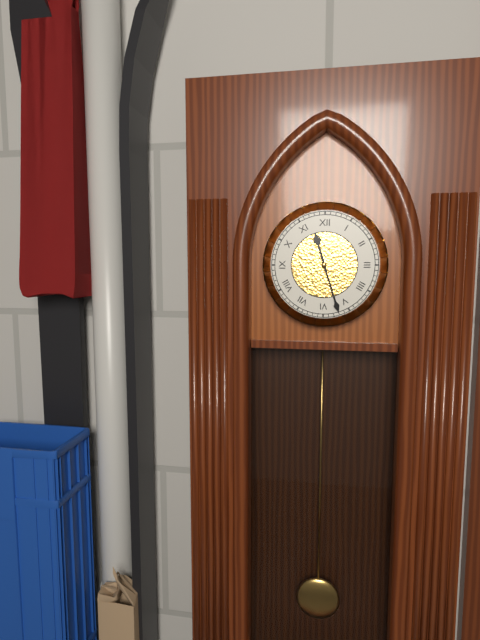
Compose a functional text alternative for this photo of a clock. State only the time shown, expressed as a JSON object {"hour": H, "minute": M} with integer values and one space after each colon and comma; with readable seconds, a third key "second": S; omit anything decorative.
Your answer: {"hour": 11, "minute": 27}
